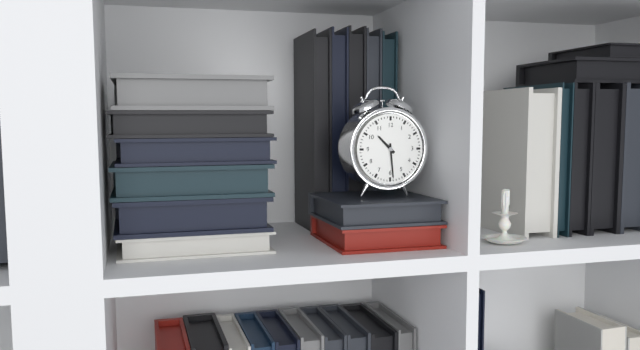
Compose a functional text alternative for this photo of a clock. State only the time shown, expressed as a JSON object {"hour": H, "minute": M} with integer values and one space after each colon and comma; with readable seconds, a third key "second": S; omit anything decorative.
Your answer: {"hour": 10, "minute": 29}
